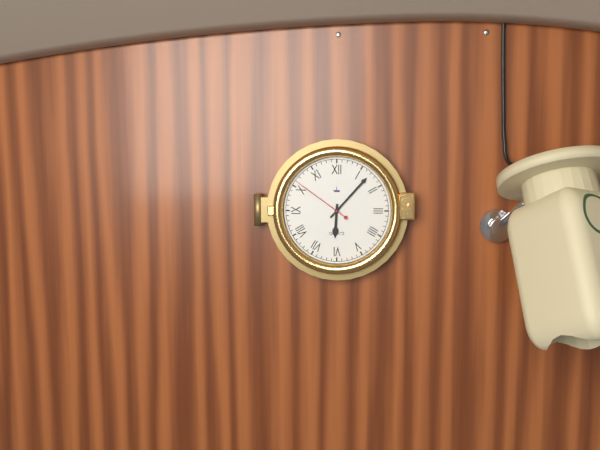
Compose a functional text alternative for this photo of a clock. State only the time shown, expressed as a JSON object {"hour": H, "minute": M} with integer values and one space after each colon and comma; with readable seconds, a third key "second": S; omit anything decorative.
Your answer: {"hour": 6, "minute": 7, "second": 51}
